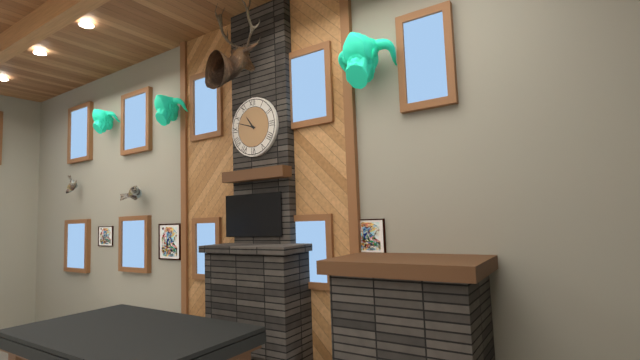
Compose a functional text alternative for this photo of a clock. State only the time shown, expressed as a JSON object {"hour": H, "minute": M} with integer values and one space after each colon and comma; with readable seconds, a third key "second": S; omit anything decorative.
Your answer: {"hour": 10, "minute": 48}
